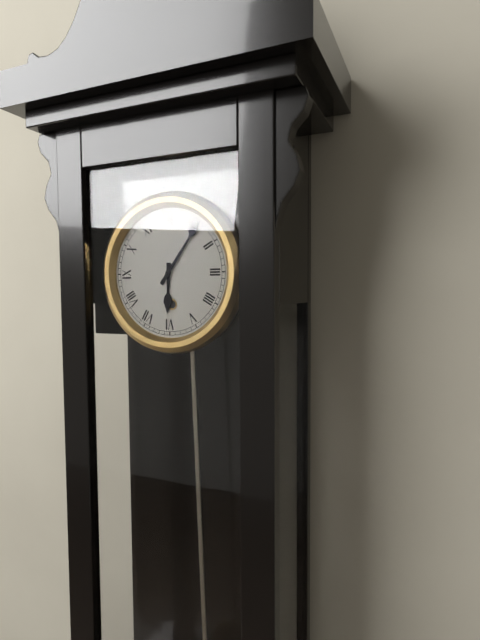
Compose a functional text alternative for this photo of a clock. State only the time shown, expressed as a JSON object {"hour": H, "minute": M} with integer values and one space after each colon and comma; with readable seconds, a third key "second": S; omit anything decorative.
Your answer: {"hour": 6, "minute": 6}
